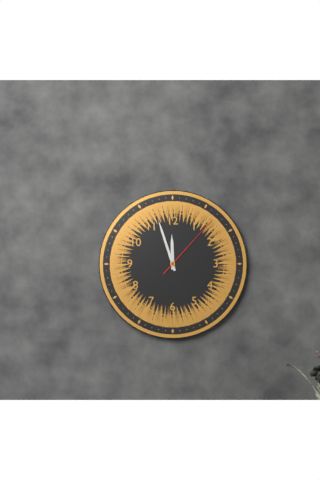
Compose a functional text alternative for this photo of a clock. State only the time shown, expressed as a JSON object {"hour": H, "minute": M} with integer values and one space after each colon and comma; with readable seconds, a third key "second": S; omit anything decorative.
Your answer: {"hour": 11, "minute": 57, "second": 7}
